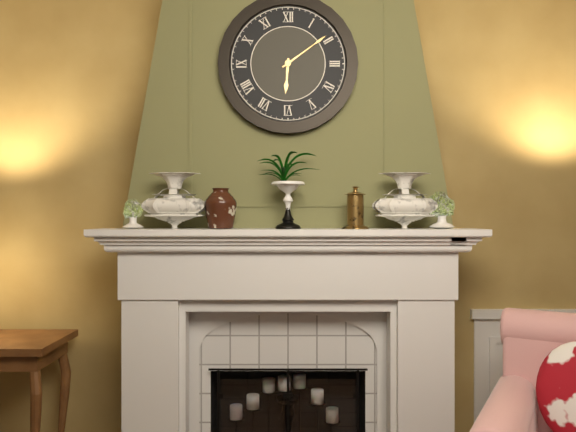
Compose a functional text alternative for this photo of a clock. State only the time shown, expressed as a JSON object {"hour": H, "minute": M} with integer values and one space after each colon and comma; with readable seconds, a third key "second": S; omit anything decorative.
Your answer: {"hour": 6, "minute": 9}
